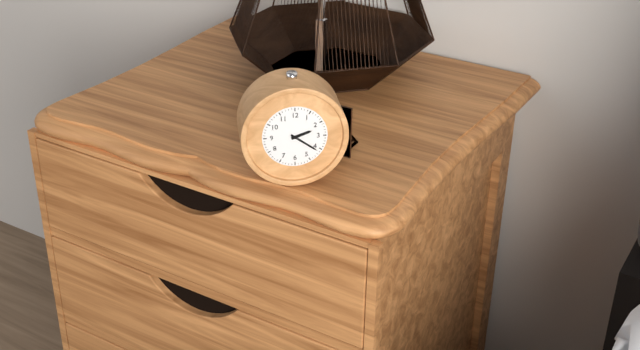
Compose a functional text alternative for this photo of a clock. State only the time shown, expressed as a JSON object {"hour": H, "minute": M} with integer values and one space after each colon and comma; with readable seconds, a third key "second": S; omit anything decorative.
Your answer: {"hour": 2, "minute": 21}
